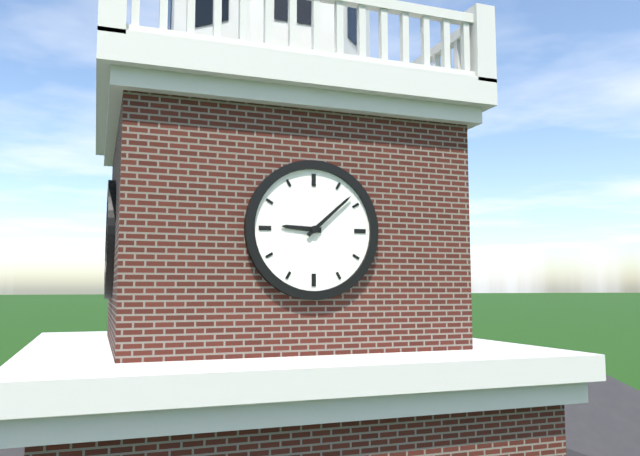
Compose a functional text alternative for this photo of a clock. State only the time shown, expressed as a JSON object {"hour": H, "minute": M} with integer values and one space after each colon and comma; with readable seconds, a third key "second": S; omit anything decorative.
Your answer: {"hour": 9, "minute": 8}
